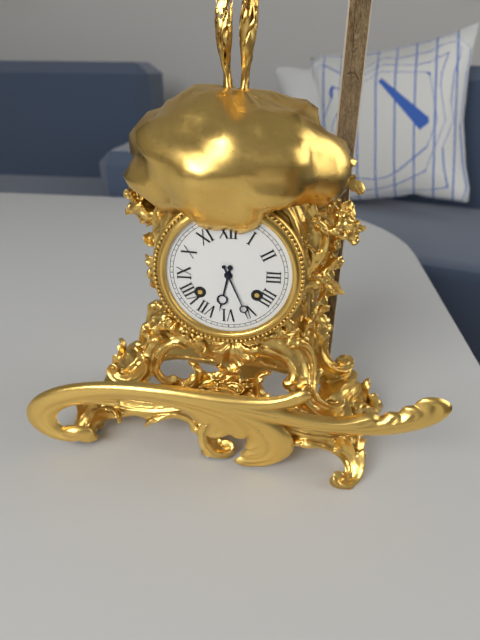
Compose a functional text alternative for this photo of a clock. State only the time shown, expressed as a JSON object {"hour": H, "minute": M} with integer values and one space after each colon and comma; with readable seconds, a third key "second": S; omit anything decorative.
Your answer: {"hour": 6, "minute": 26}
